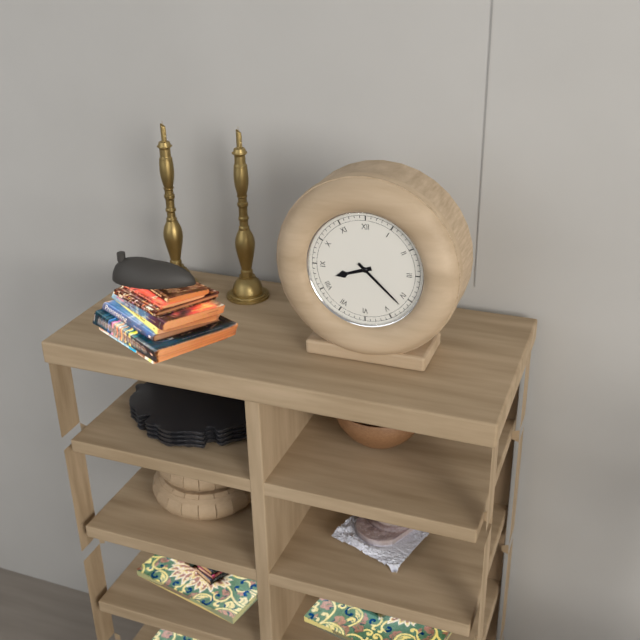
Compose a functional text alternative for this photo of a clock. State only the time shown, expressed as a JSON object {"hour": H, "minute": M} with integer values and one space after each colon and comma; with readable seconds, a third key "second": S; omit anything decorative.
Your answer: {"hour": 8, "minute": 22}
